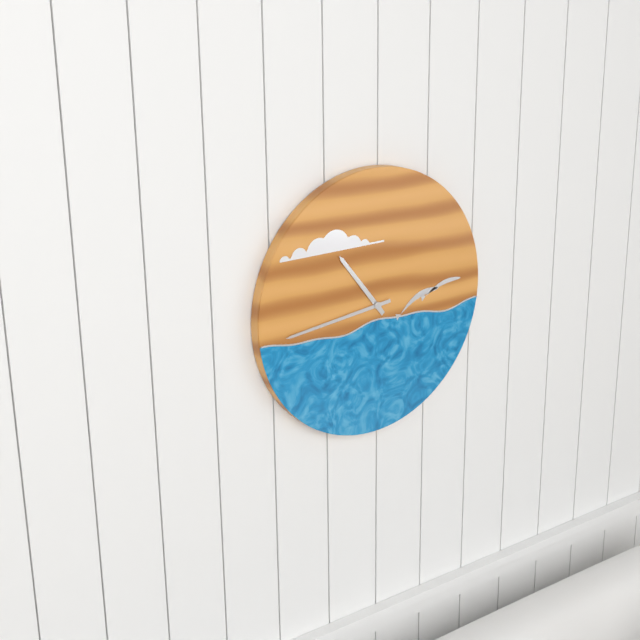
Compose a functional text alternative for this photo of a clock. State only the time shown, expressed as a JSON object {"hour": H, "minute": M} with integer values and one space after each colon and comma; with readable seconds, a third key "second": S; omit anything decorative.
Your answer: {"hour": 10, "minute": 44}
